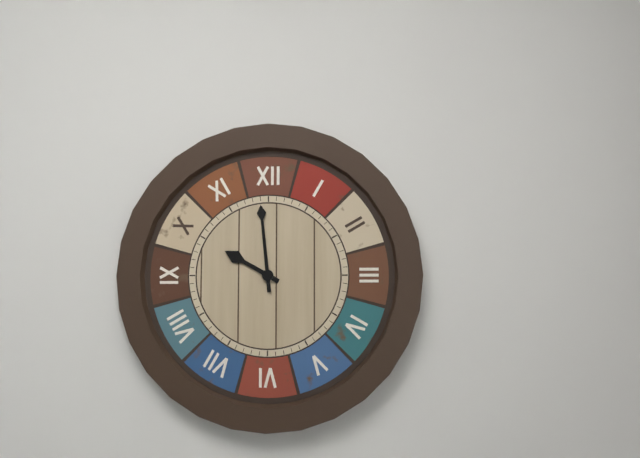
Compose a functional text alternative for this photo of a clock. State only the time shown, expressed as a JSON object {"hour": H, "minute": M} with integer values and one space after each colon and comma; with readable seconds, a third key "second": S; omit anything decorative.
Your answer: {"hour": 9, "minute": 59}
